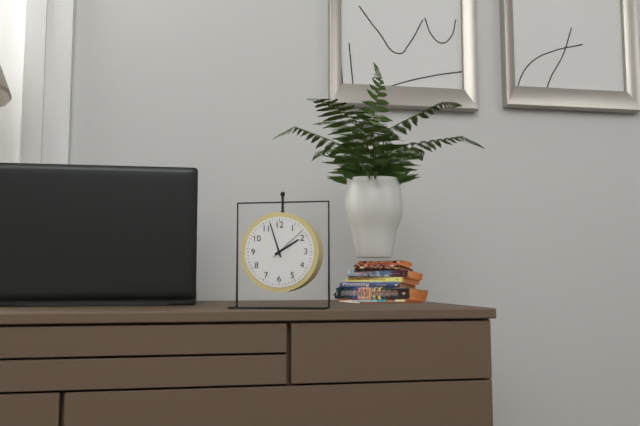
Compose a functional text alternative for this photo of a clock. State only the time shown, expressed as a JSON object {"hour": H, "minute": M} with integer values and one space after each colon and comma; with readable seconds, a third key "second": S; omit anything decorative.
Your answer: {"hour": 1, "minute": 57}
